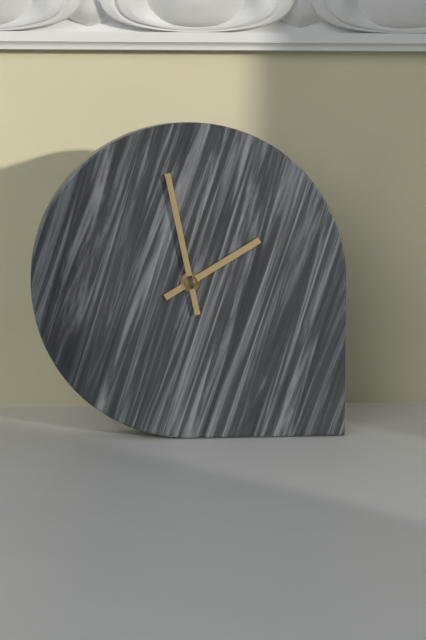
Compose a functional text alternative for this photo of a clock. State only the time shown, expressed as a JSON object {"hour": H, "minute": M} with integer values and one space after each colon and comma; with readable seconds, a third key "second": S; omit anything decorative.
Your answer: {"hour": 1, "minute": 58}
